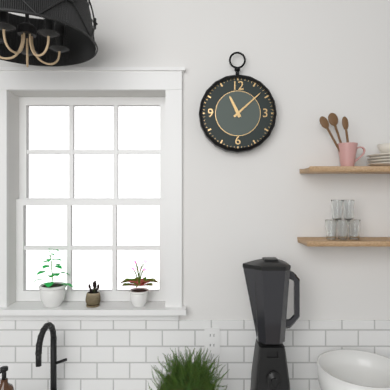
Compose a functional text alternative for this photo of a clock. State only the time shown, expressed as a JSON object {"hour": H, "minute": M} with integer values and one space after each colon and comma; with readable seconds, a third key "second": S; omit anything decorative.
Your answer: {"hour": 11, "minute": 8}
